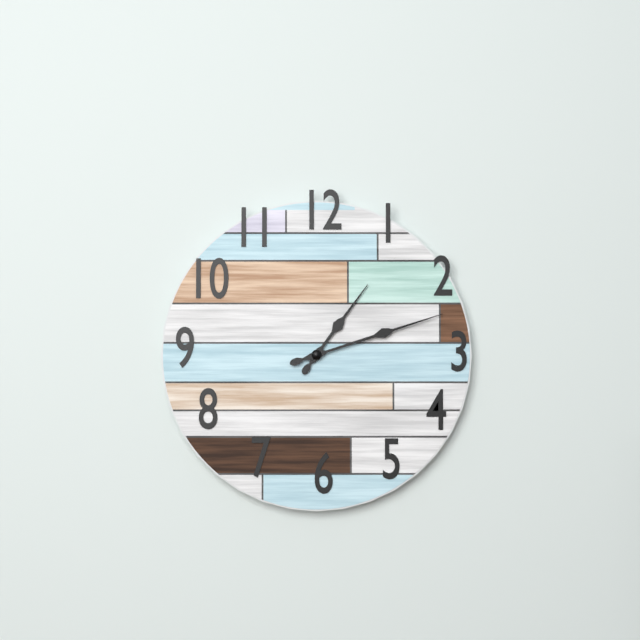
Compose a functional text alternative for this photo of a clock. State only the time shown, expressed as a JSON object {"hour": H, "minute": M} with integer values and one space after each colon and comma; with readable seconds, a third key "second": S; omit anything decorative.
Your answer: {"hour": 1, "minute": 12}
